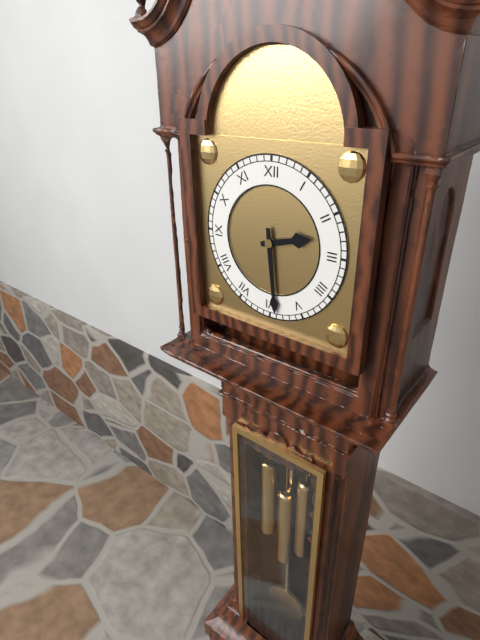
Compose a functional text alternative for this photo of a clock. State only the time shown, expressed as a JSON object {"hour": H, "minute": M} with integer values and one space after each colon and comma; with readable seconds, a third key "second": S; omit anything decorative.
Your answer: {"hour": 2, "minute": 29}
